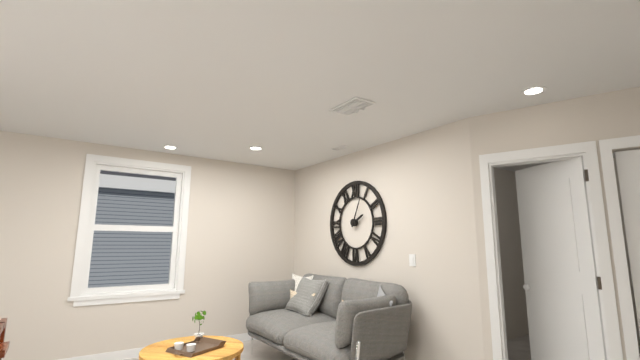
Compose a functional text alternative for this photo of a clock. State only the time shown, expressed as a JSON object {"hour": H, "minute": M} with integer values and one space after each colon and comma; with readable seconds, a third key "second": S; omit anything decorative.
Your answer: {"hour": 2, "minute": 4}
